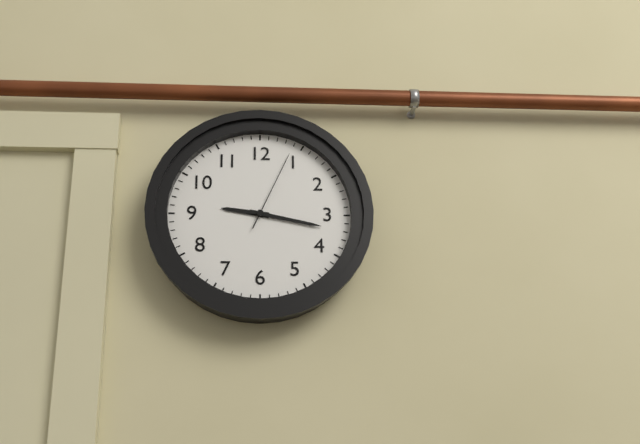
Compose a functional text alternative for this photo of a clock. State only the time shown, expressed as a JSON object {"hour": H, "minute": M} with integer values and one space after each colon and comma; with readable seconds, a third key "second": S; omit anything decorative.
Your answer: {"hour": 9, "minute": 17, "second": 4}
